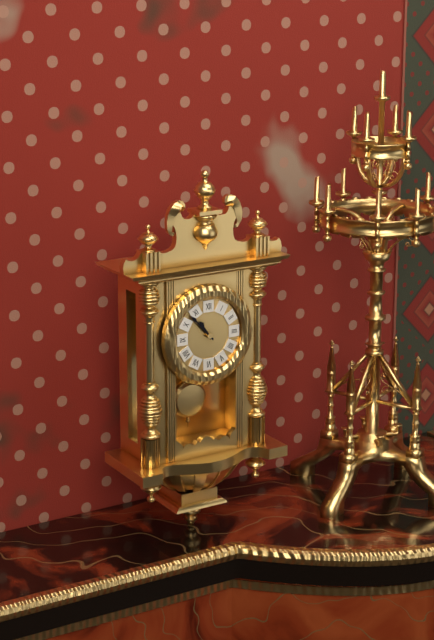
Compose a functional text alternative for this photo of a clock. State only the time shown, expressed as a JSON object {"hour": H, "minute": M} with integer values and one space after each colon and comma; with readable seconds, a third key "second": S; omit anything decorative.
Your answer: {"hour": 10, "minute": 53}
